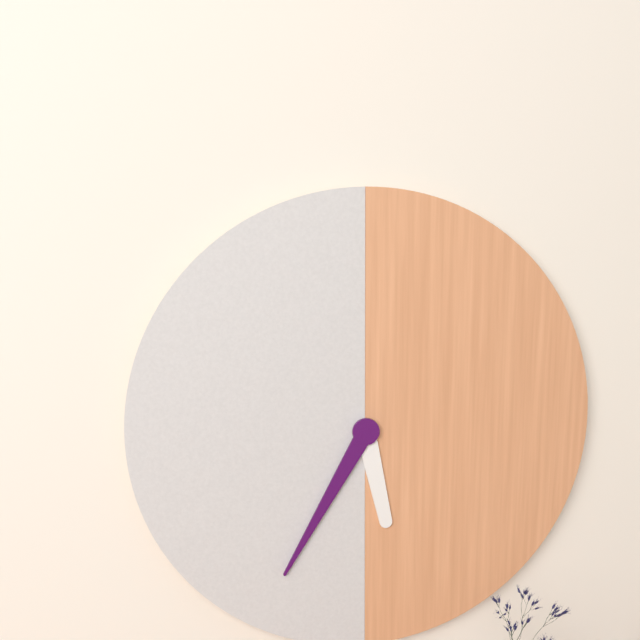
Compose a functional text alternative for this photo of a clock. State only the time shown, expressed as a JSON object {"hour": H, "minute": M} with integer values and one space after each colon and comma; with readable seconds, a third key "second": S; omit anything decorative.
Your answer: {"hour": 5, "minute": 35}
